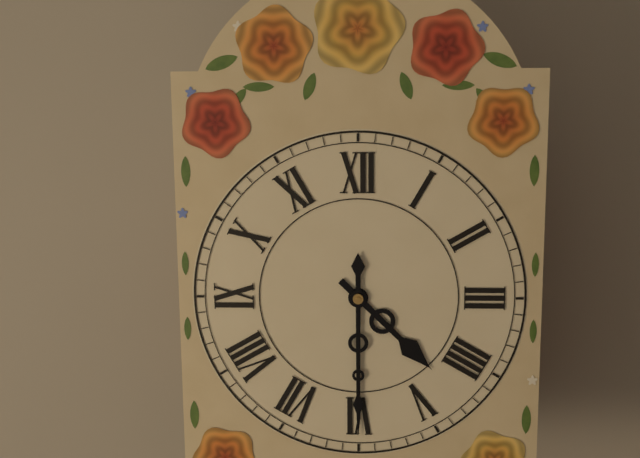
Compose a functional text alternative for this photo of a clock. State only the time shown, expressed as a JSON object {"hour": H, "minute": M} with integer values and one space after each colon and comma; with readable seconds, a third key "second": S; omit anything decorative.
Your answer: {"hour": 4, "minute": 30}
